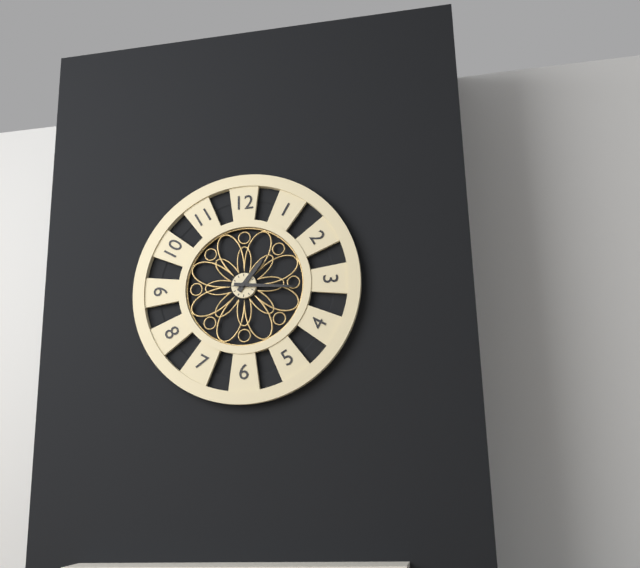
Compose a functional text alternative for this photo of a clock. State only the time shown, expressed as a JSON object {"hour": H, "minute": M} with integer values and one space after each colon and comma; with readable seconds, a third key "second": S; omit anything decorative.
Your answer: {"hour": 1, "minute": 16}
